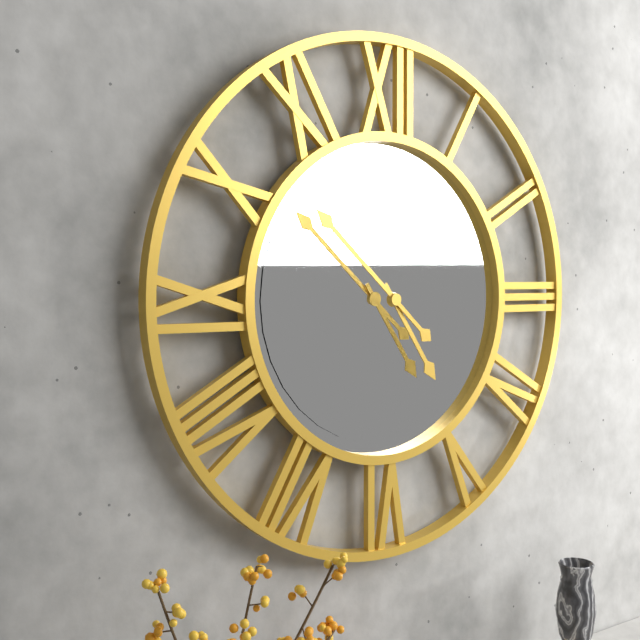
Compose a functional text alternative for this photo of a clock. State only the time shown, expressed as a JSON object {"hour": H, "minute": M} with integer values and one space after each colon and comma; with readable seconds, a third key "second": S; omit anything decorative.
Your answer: {"hour": 4, "minute": 52}
